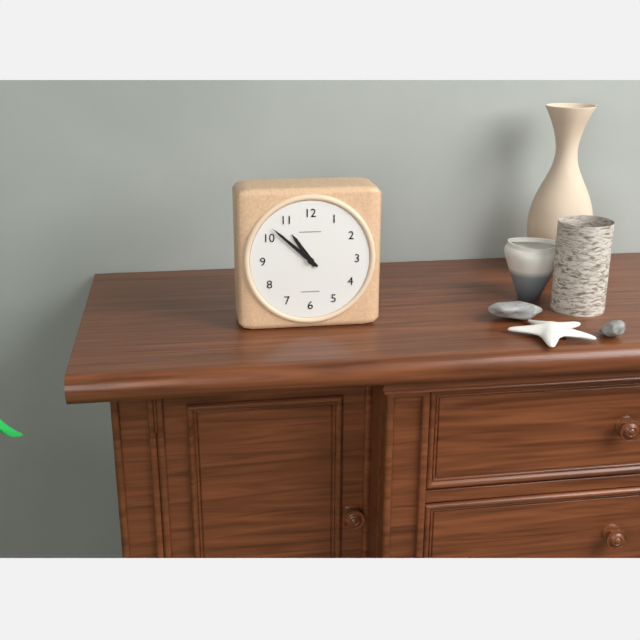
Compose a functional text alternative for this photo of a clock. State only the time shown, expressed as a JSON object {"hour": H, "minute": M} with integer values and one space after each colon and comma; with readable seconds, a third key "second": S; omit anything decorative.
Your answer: {"hour": 10, "minute": 52}
